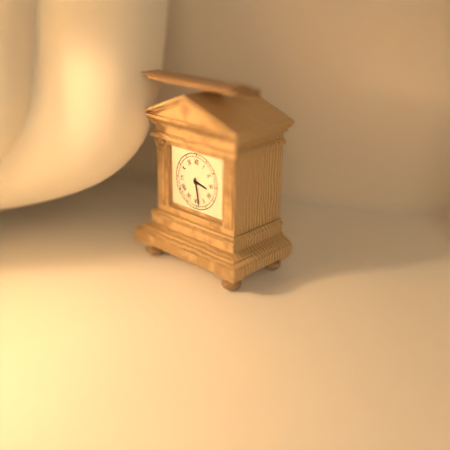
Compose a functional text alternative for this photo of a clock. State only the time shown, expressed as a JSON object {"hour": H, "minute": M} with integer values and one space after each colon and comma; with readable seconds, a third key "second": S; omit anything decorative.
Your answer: {"hour": 3, "minute": 28}
